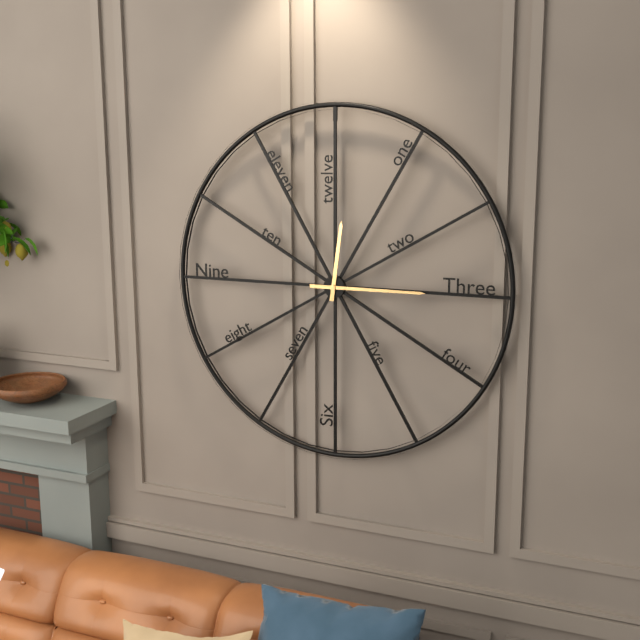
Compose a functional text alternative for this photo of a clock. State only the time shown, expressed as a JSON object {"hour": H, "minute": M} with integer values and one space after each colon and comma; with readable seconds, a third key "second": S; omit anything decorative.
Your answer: {"hour": 12, "minute": 15}
